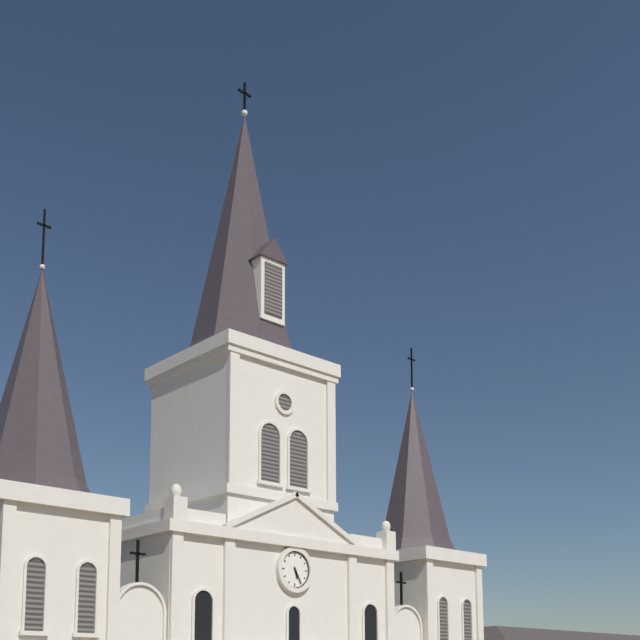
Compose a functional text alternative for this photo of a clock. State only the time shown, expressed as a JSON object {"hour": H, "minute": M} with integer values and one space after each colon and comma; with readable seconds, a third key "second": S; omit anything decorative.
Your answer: {"hour": 5, "minute": 25}
